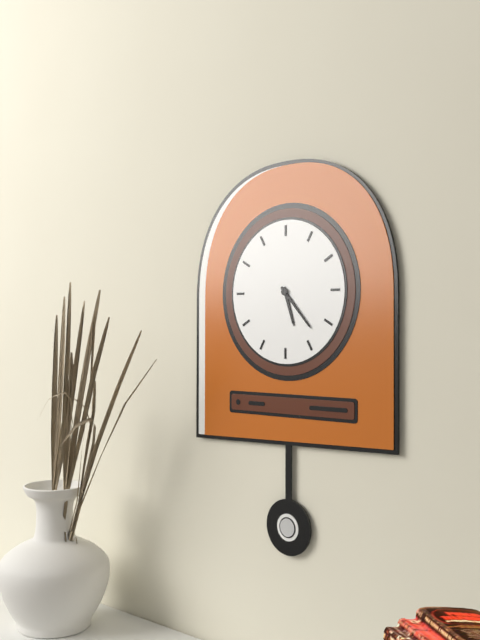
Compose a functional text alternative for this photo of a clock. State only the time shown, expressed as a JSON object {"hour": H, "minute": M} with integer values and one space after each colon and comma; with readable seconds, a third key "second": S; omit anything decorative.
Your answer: {"hour": 5, "minute": 23}
